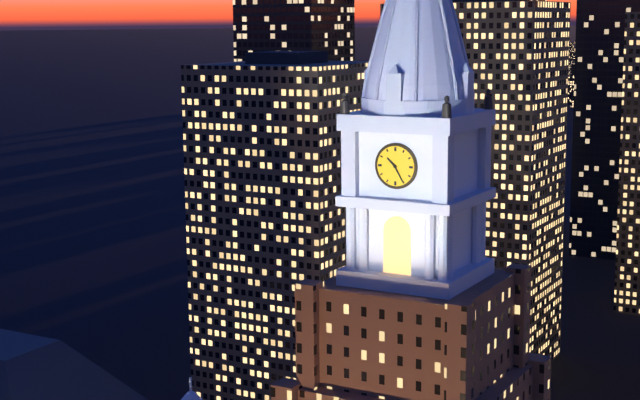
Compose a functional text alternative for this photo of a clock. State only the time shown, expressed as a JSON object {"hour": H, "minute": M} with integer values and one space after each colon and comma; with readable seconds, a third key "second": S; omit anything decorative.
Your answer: {"hour": 10, "minute": 25}
